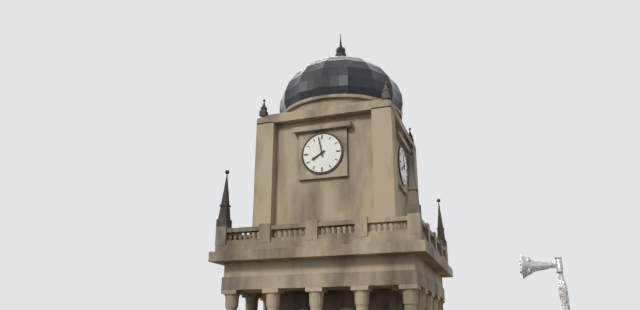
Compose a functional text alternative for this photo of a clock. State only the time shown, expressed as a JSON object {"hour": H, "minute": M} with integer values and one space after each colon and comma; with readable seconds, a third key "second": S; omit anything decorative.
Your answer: {"hour": 7, "minute": 58}
